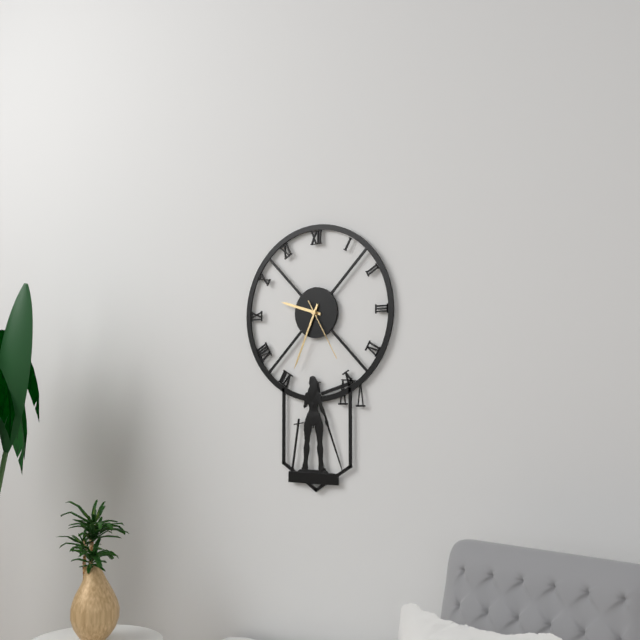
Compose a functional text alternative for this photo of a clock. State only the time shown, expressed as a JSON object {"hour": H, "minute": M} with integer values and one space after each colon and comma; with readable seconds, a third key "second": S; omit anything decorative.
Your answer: {"hour": 9, "minute": 34, "second": 25}
